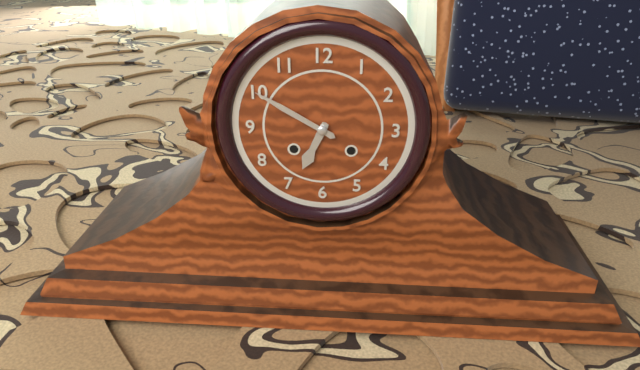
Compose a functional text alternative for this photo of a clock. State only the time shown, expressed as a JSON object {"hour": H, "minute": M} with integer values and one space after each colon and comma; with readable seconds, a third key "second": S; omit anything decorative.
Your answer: {"hour": 6, "minute": 50}
